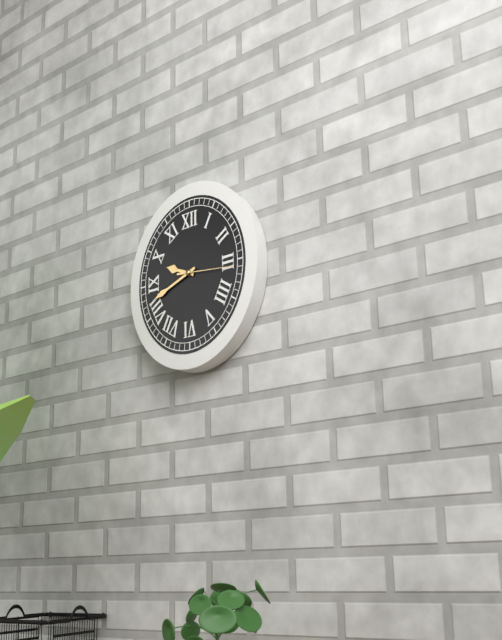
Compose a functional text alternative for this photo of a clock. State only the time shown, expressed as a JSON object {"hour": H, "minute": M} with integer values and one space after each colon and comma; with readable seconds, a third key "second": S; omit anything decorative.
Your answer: {"hour": 9, "minute": 42, "second": 16}
